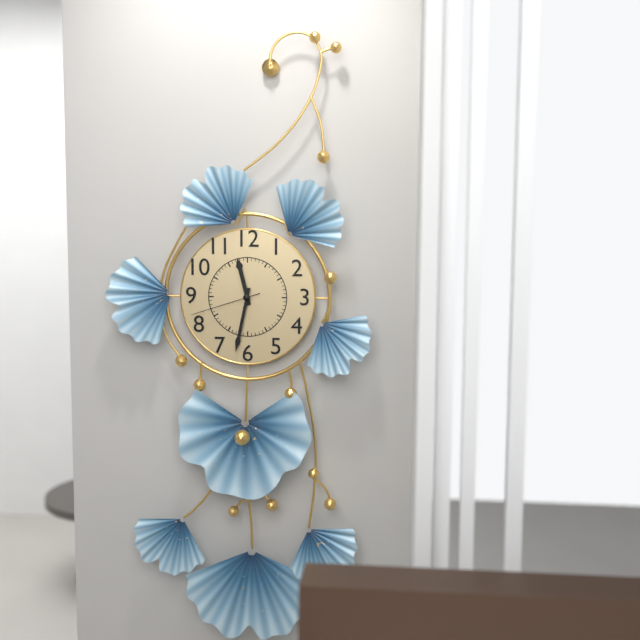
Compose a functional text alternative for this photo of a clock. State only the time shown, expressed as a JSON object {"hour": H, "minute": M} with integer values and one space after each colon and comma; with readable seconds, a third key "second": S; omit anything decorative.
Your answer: {"hour": 11, "minute": 32, "second": 42}
